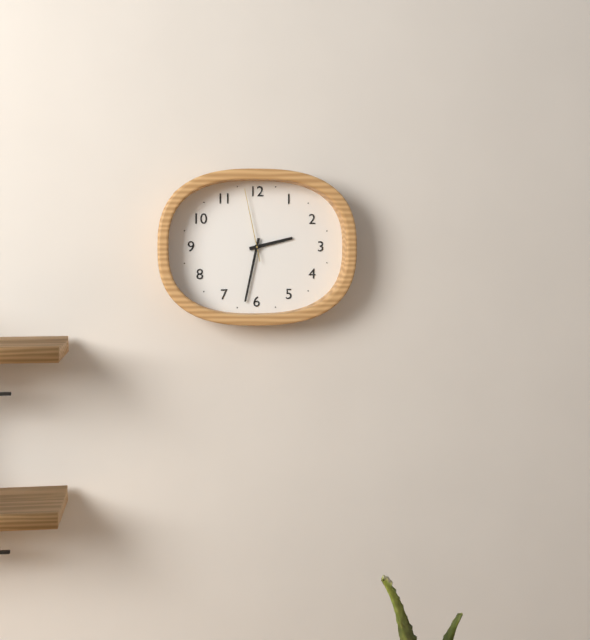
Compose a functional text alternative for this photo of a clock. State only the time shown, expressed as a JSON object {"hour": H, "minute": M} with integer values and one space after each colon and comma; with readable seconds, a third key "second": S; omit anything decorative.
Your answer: {"hour": 2, "minute": 32, "second": 58}
